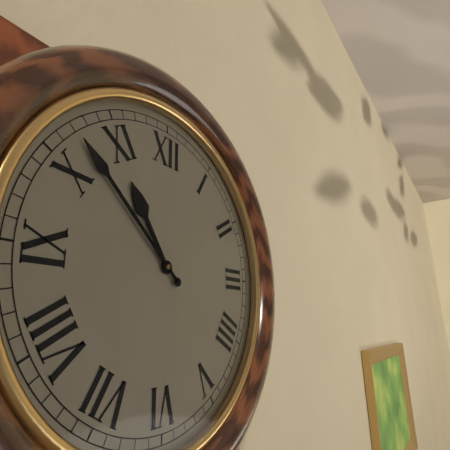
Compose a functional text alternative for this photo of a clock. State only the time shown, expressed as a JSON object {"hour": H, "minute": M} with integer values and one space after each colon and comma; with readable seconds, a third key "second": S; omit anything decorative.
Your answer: {"hour": 10, "minute": 52}
